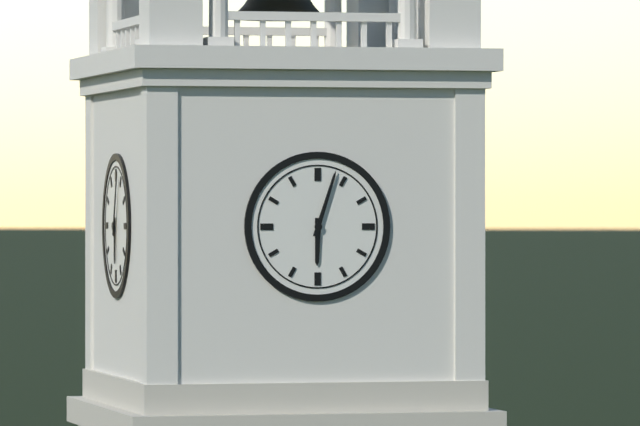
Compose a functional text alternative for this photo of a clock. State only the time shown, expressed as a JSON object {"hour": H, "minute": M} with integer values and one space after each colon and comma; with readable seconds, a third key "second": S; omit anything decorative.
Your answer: {"hour": 6, "minute": 3}
